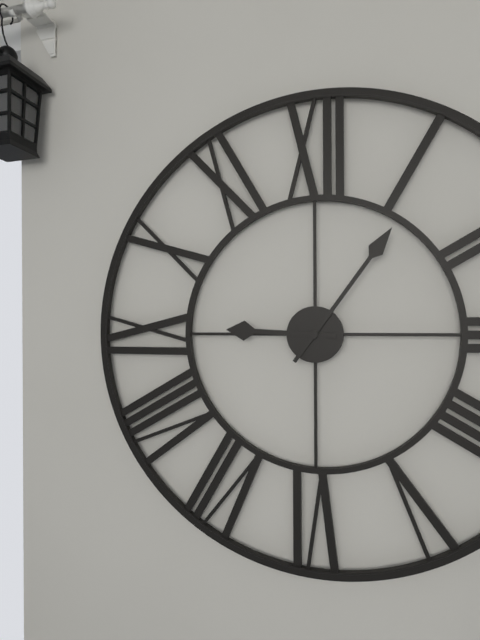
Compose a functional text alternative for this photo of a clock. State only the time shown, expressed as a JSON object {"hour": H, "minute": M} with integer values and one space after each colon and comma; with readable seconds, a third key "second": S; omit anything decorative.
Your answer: {"hour": 9, "minute": 6}
